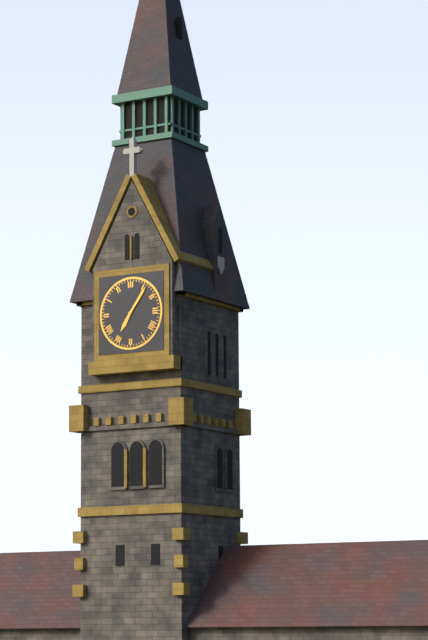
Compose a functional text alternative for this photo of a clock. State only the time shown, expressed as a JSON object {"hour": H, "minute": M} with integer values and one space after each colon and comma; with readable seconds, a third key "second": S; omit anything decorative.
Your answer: {"hour": 7, "minute": 6}
